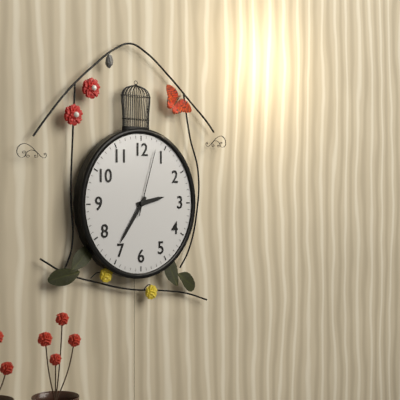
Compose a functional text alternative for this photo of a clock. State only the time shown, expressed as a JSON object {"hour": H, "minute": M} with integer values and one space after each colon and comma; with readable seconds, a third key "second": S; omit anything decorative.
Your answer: {"hour": 2, "minute": 36, "second": 3}
